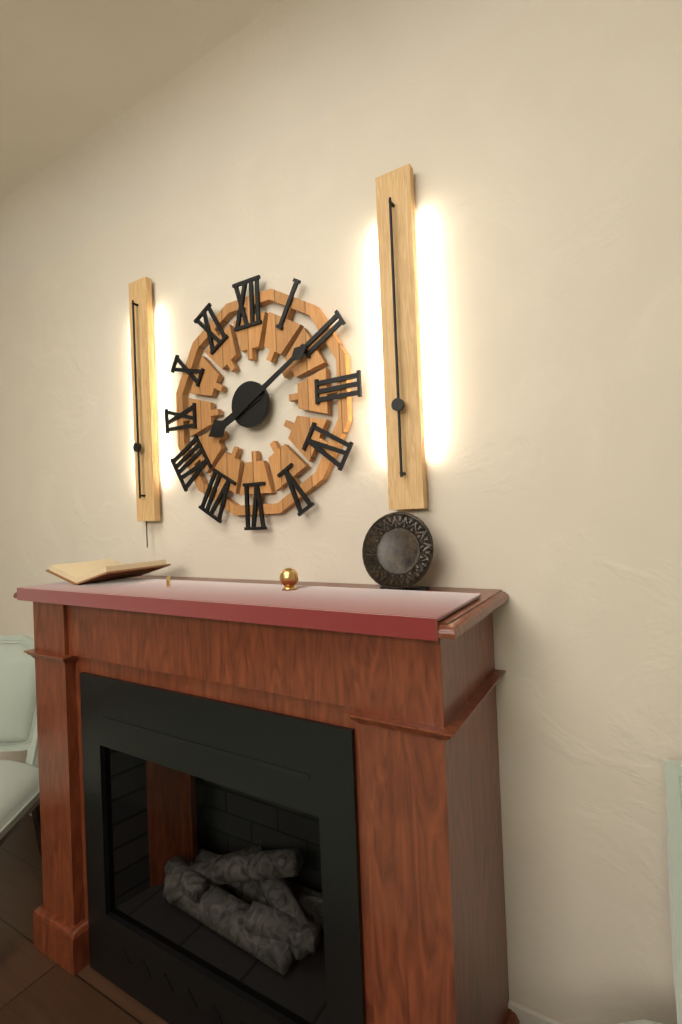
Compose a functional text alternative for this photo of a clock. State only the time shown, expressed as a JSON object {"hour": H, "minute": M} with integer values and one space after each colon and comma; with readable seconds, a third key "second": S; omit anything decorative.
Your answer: {"hour": 8, "minute": 10}
